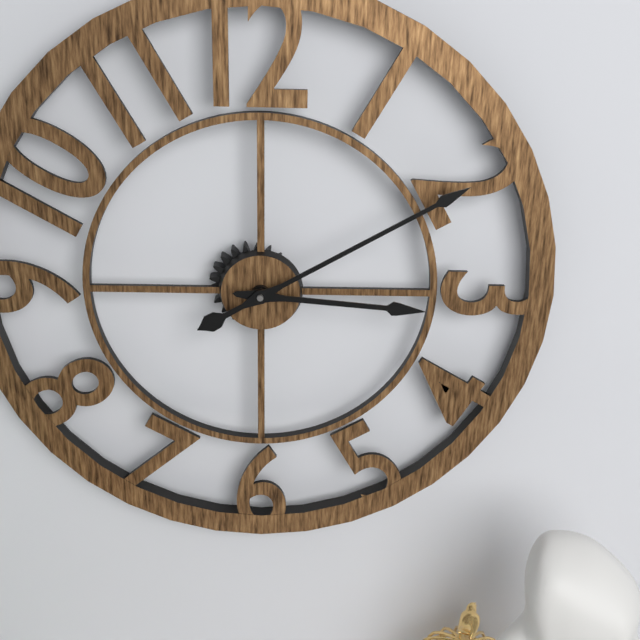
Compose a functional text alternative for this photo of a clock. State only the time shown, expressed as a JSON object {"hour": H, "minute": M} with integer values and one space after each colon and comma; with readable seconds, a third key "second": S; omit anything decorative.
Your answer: {"hour": 3, "minute": 10}
